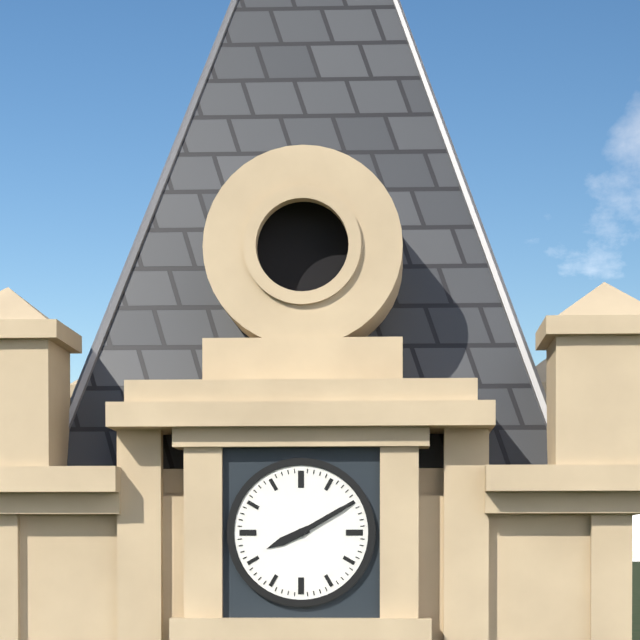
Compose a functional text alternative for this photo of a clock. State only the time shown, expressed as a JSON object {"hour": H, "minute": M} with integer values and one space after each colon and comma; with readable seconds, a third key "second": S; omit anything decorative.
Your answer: {"hour": 8, "minute": 10}
